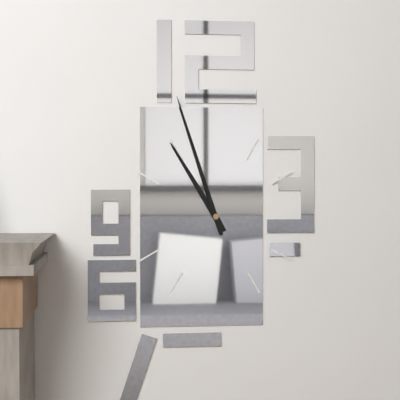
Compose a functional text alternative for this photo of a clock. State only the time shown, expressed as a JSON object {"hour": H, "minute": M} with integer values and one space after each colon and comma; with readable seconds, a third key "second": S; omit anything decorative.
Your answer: {"hour": 10, "minute": 57}
